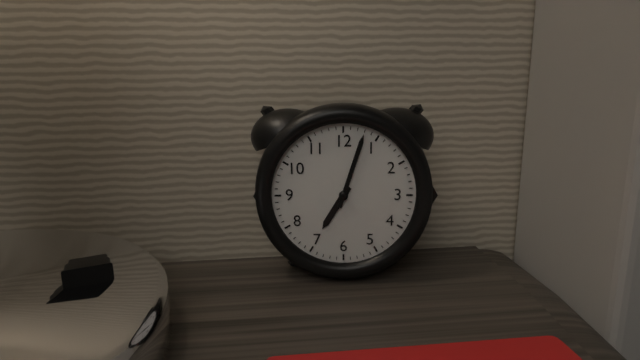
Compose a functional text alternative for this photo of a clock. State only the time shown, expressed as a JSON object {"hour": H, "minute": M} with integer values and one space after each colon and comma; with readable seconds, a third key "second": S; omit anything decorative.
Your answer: {"hour": 7, "minute": 3}
